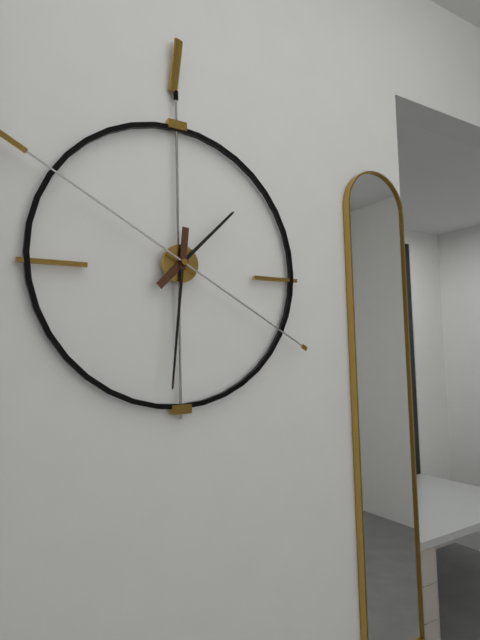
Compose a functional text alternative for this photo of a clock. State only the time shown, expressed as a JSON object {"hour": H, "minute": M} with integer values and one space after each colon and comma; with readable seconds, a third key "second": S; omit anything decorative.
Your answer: {"hour": 1, "minute": 31}
